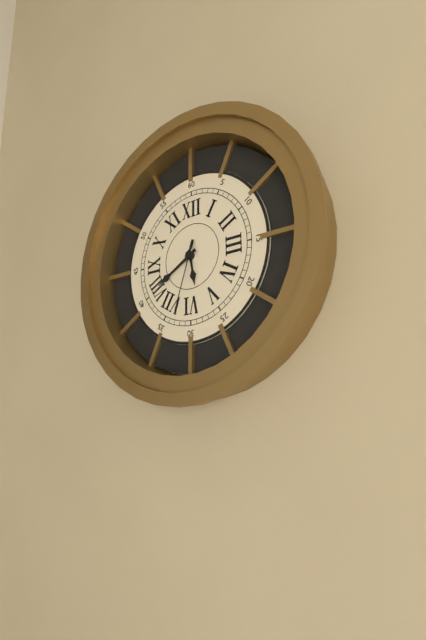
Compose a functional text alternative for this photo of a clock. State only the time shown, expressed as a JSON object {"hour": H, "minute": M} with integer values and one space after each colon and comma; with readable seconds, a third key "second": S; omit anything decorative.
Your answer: {"hour": 5, "minute": 40, "second": 33}
